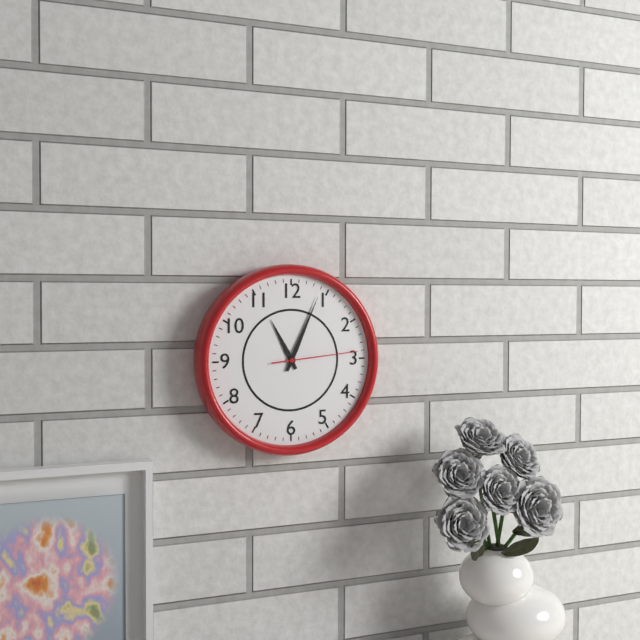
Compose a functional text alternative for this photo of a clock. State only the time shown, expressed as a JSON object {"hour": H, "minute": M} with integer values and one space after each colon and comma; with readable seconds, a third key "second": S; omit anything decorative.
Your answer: {"hour": 11, "minute": 4, "second": 14}
